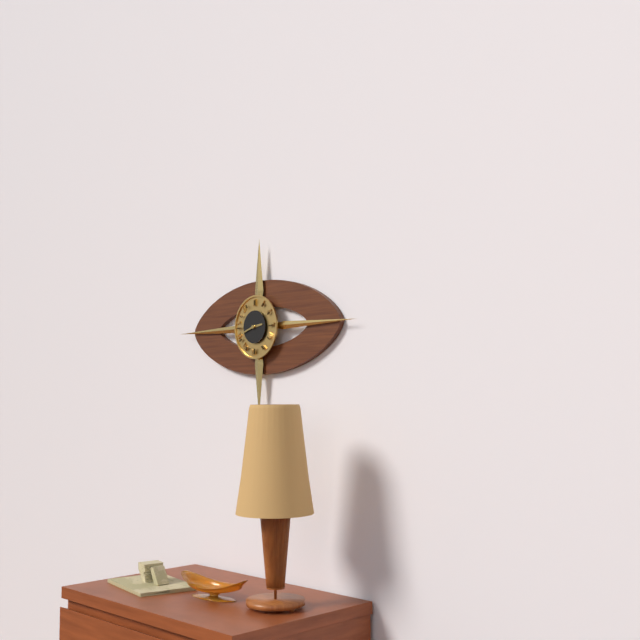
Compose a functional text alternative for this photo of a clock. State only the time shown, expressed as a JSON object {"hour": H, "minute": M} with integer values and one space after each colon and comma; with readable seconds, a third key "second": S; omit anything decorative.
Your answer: {"hour": 2, "minute": 42}
